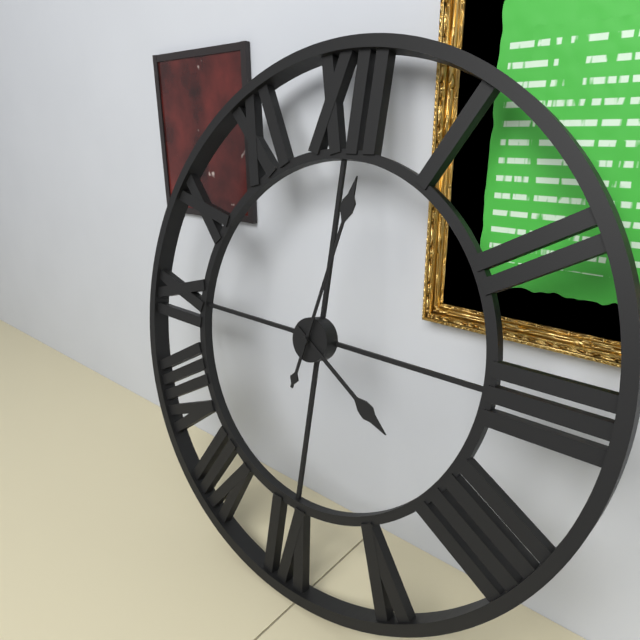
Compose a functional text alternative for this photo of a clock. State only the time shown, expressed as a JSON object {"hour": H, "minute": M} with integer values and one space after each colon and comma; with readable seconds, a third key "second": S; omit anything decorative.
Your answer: {"hour": 4, "minute": 2}
